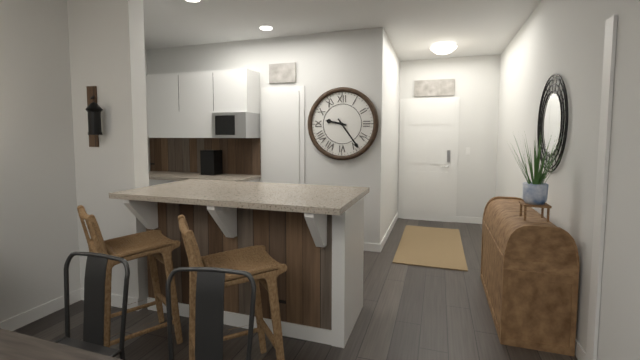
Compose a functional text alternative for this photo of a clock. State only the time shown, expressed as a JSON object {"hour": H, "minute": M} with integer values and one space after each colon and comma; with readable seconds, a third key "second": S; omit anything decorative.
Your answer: {"hour": 9, "minute": 24}
